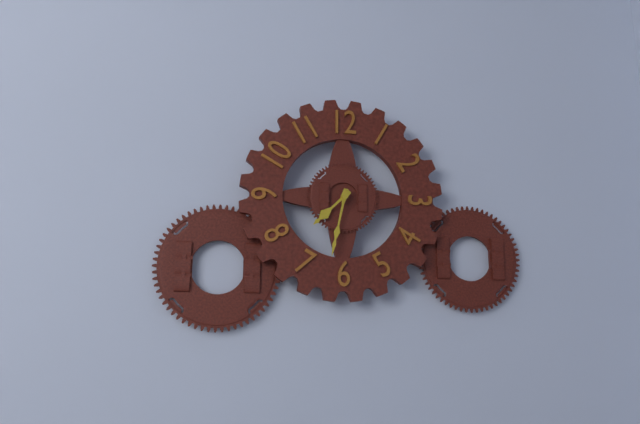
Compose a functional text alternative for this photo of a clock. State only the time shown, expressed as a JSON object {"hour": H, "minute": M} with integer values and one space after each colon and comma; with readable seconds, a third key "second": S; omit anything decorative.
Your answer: {"hour": 7, "minute": 32}
